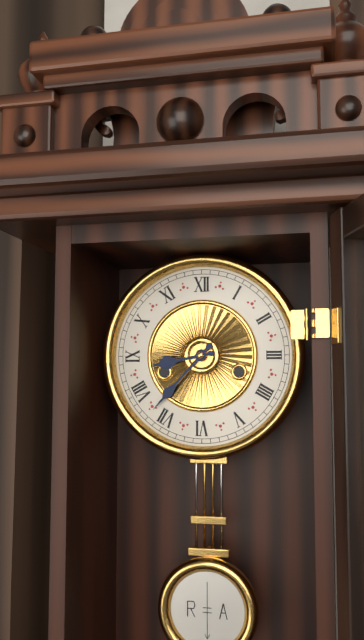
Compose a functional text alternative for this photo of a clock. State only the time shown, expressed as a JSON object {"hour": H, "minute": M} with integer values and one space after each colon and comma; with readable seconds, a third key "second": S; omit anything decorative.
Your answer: {"hour": 8, "minute": 37}
